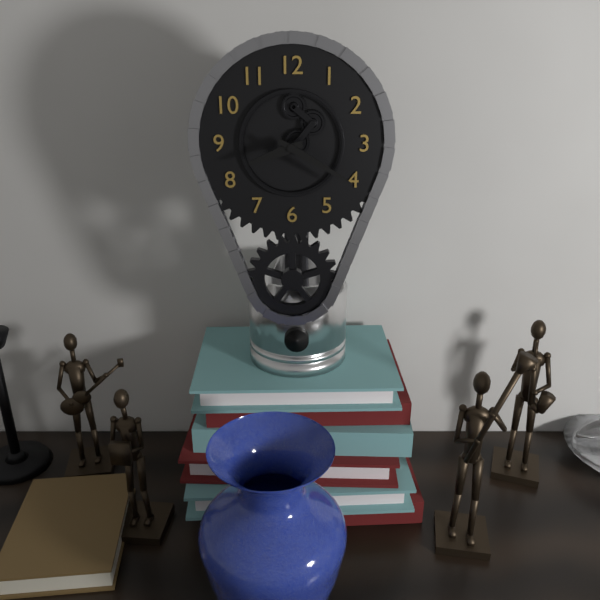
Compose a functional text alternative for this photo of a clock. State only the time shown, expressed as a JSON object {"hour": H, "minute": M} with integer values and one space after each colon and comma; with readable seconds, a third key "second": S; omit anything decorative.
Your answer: {"hour": 8, "minute": 20}
